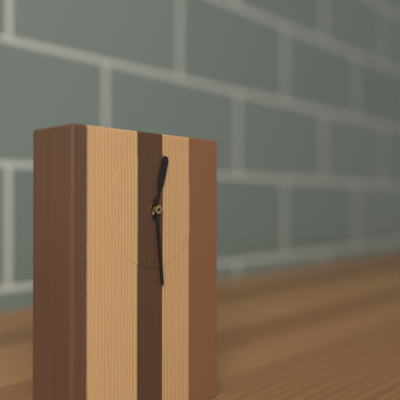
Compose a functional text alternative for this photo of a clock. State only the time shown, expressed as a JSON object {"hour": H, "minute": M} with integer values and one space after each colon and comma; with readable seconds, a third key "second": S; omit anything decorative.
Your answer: {"hour": 12, "minute": 29}
